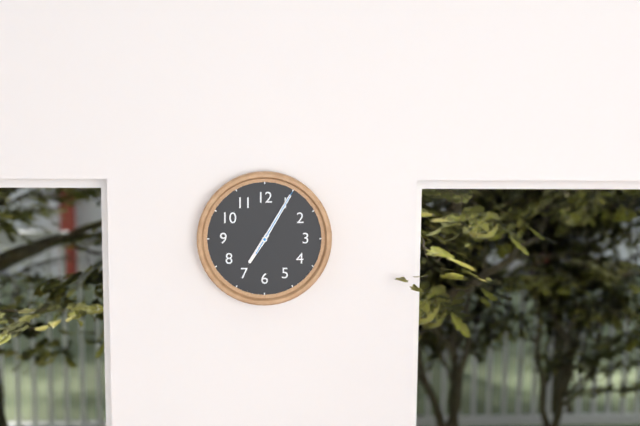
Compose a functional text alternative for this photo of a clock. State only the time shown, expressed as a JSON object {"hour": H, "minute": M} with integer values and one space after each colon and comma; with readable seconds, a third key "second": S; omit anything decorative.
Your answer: {"hour": 7, "minute": 5, "second": 5}
